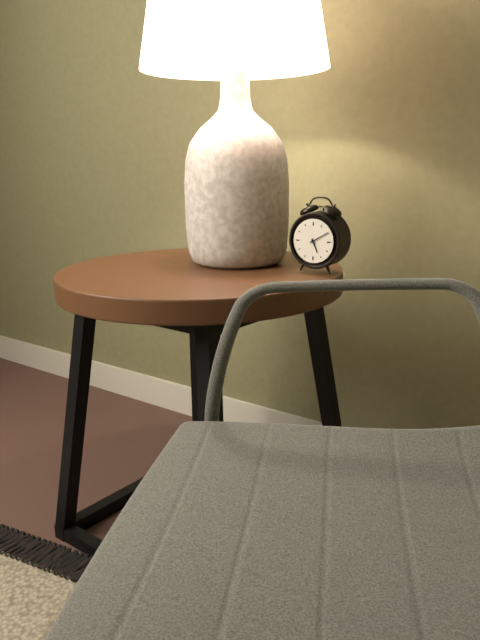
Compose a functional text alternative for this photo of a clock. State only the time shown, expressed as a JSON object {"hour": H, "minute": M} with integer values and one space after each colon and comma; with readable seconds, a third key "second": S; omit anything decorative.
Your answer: {"hour": 5, "minute": 10}
